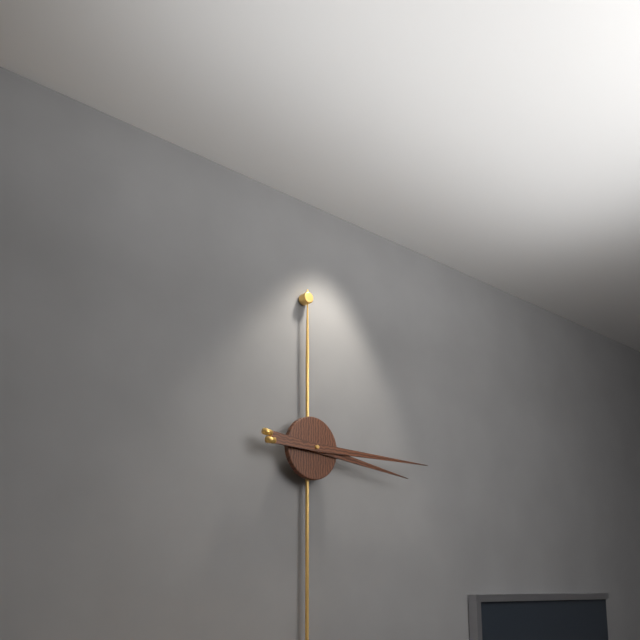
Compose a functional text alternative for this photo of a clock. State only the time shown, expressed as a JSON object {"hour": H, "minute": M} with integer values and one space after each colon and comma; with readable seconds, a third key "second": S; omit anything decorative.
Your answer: {"hour": 3, "minute": 15}
